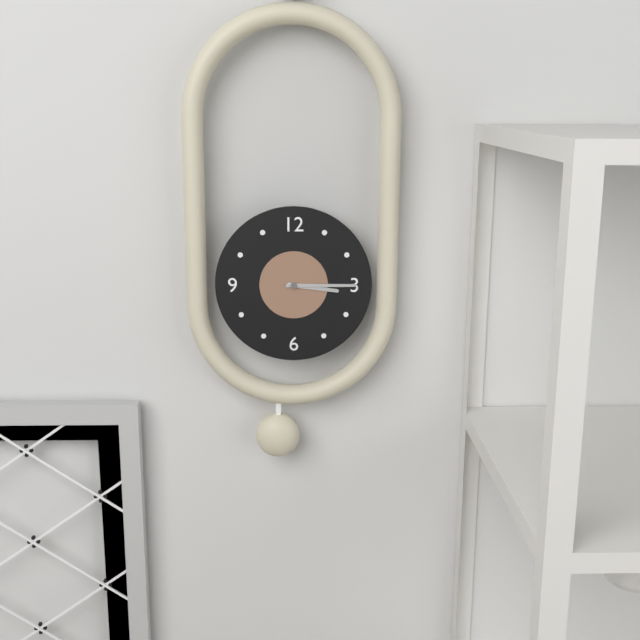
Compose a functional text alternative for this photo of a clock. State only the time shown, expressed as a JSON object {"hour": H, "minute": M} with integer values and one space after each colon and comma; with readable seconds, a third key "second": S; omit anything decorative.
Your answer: {"hour": 3, "minute": 15}
